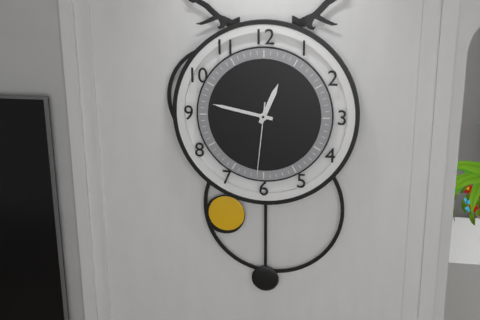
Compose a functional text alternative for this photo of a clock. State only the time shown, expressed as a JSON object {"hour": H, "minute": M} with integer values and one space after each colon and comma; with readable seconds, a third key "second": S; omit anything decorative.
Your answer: {"hour": 12, "minute": 47, "second": 31}
